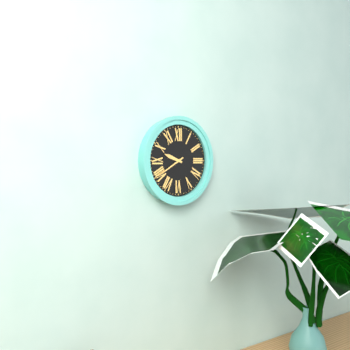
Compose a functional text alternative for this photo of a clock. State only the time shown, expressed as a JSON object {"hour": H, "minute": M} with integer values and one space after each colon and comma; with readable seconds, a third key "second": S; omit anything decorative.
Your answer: {"hour": 9, "minute": 40}
